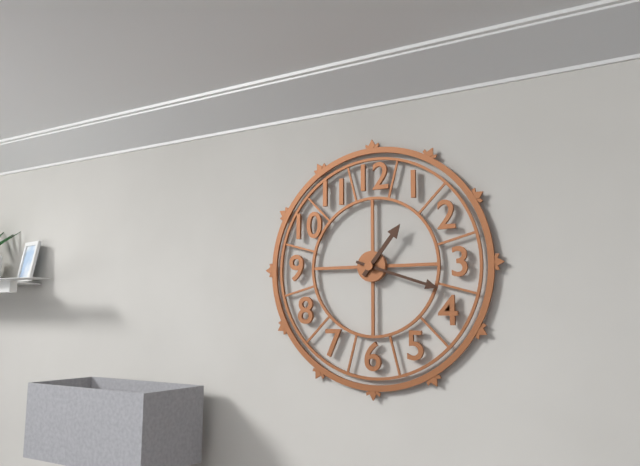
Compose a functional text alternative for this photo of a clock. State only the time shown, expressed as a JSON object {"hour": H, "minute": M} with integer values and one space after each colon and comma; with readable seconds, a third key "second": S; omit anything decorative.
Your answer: {"hour": 1, "minute": 18}
